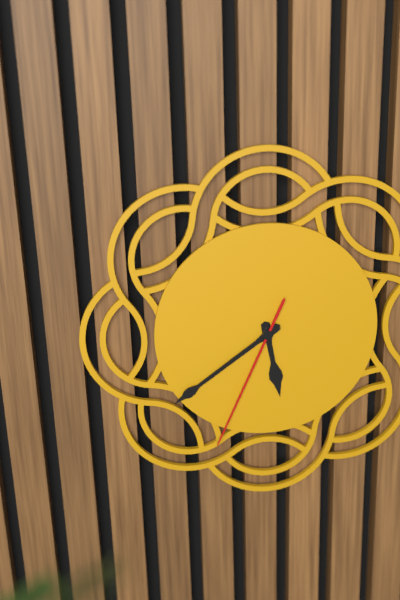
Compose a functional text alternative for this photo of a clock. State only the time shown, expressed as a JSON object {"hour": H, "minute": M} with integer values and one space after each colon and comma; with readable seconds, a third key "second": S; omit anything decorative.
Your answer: {"hour": 5, "minute": 39, "second": 34}
